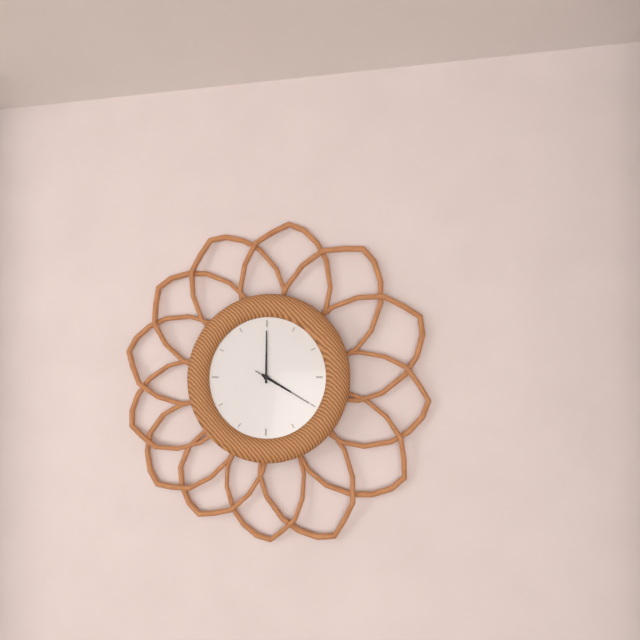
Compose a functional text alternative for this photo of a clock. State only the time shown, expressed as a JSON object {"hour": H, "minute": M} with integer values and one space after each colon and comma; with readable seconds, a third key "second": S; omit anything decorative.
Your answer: {"hour": 4, "minute": 0, "second": 20}
